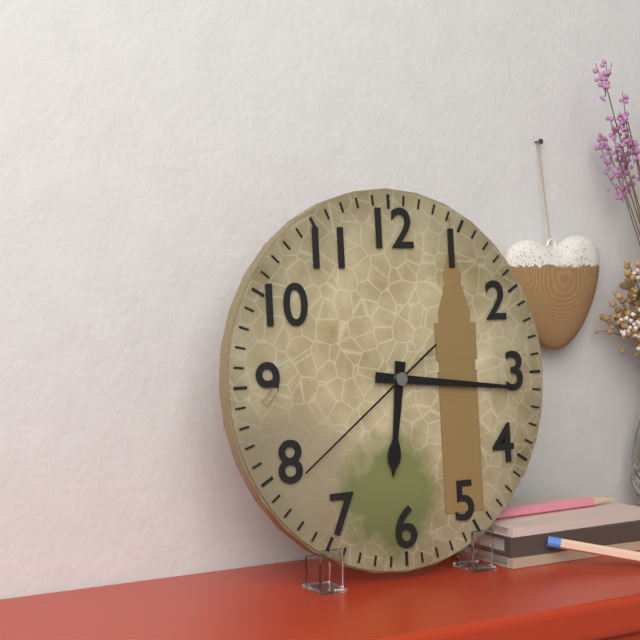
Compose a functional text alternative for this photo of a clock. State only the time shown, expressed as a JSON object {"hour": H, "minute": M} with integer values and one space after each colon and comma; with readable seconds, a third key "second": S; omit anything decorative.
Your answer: {"hour": 6, "minute": 16, "second": 39}
